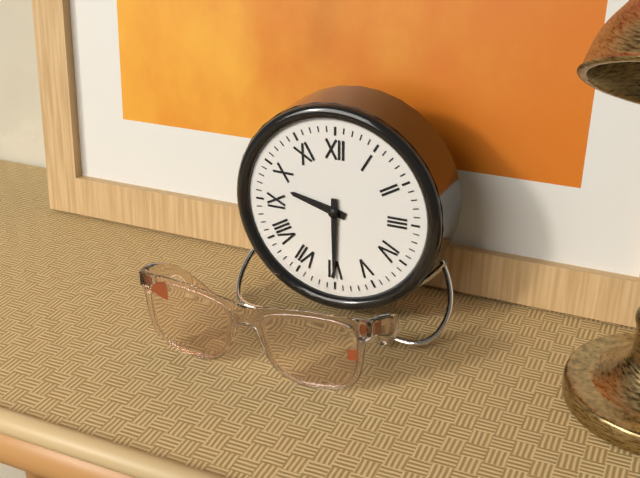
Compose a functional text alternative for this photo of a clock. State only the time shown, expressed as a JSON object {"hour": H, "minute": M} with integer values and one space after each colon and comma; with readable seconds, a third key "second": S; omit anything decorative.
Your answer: {"hour": 9, "minute": 30}
